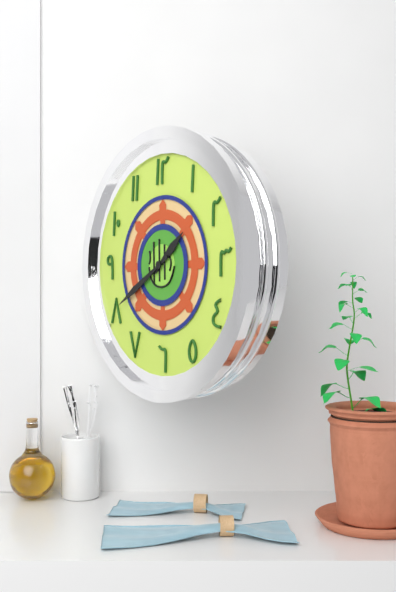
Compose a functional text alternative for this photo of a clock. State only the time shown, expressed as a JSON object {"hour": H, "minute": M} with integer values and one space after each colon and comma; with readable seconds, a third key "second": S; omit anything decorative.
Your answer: {"hour": 1, "minute": 40}
